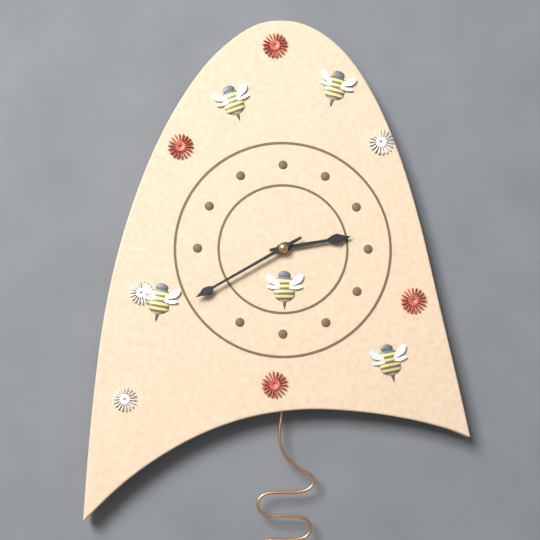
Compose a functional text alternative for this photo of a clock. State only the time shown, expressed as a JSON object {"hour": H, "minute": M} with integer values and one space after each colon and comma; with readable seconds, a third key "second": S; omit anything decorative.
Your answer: {"hour": 2, "minute": 40}
